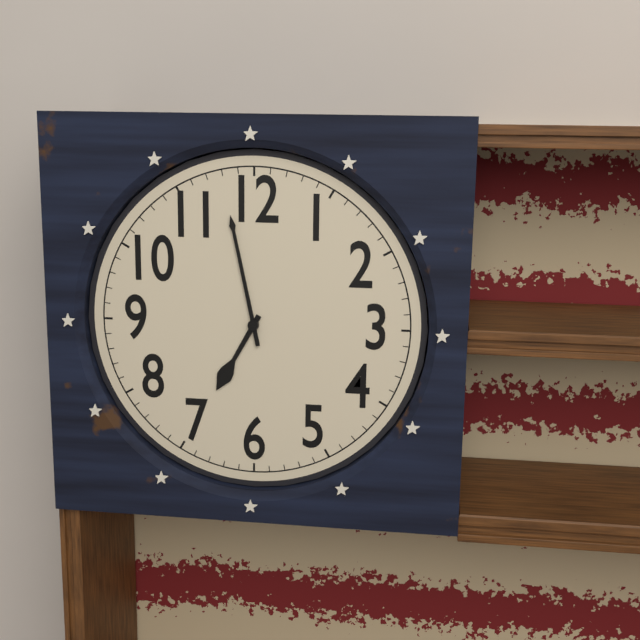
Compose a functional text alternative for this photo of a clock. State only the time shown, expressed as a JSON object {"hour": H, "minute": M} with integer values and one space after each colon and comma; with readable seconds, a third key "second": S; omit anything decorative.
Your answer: {"hour": 6, "minute": 58}
